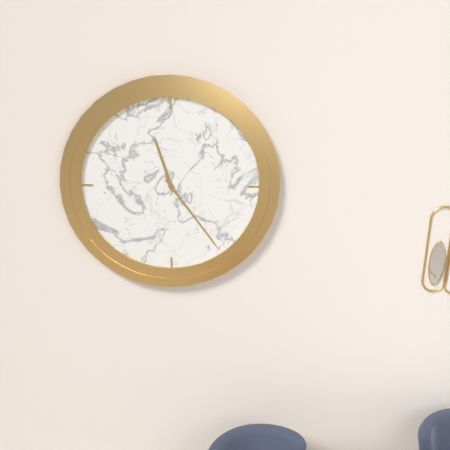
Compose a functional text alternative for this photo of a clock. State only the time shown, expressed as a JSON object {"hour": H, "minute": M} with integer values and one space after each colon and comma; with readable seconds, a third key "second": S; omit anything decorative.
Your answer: {"hour": 11, "minute": 24}
